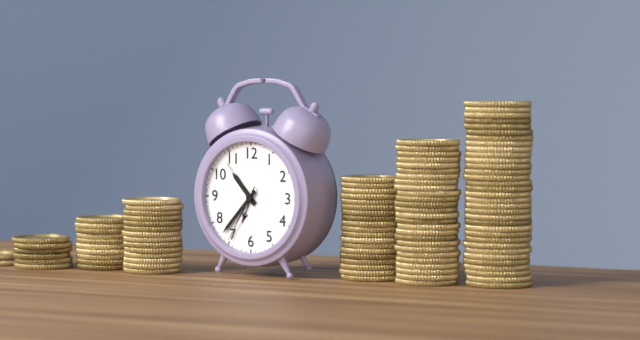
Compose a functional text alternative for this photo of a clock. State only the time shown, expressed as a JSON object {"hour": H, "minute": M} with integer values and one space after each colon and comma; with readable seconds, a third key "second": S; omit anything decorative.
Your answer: {"hour": 10, "minute": 37, "second": 35}
